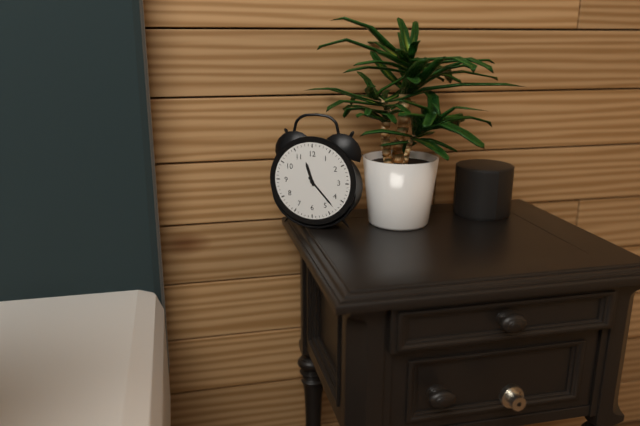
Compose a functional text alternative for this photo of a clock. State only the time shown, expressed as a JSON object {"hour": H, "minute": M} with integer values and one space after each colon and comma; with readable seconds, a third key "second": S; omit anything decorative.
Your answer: {"hour": 11, "minute": 23}
